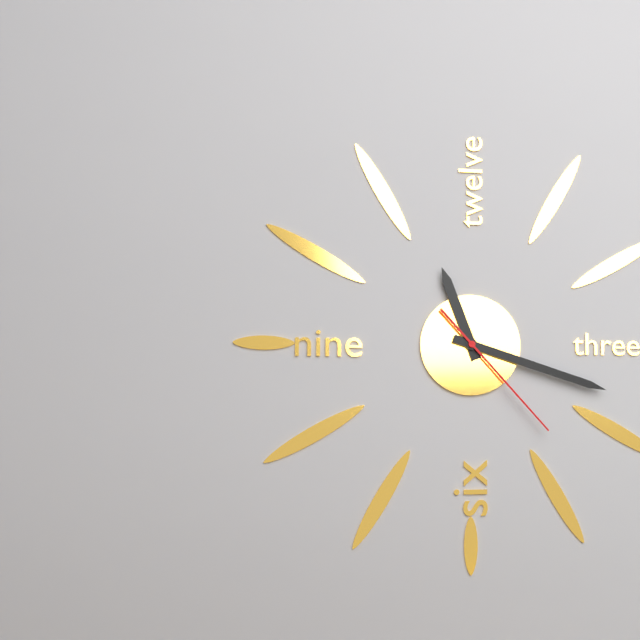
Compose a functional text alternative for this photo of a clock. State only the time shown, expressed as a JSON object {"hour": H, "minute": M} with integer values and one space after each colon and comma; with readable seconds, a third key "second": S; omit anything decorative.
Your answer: {"hour": 11, "minute": 18, "second": 23}
